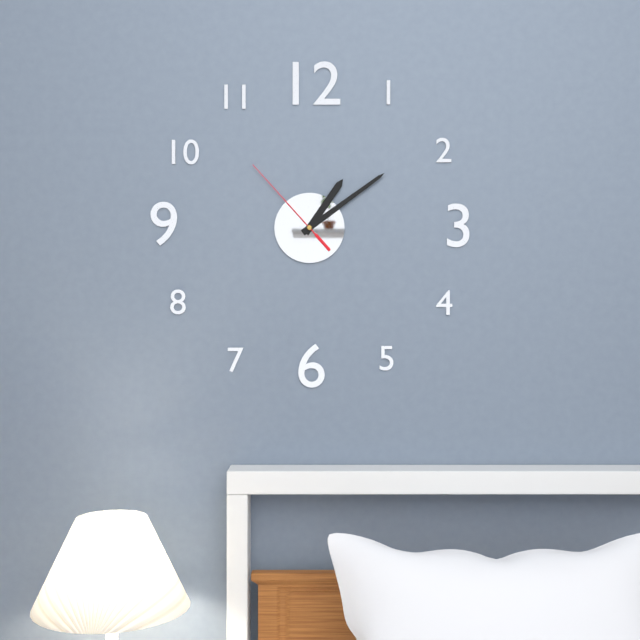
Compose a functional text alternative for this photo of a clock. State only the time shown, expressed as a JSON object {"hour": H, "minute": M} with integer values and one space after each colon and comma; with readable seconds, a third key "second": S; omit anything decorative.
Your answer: {"hour": 1, "minute": 9, "second": 53}
